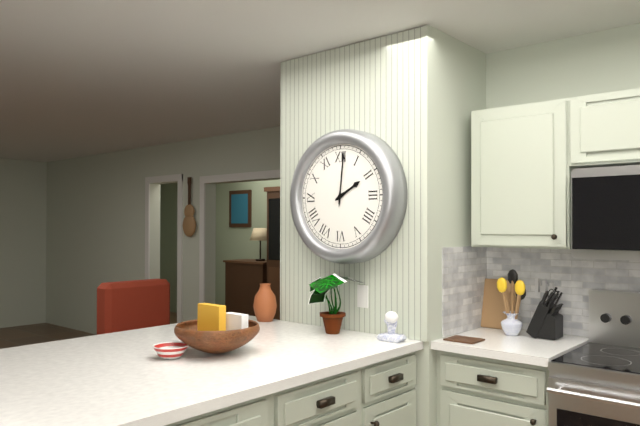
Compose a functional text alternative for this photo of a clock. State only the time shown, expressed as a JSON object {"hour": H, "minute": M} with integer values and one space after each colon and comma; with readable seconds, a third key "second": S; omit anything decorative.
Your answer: {"hour": 2, "minute": 1}
